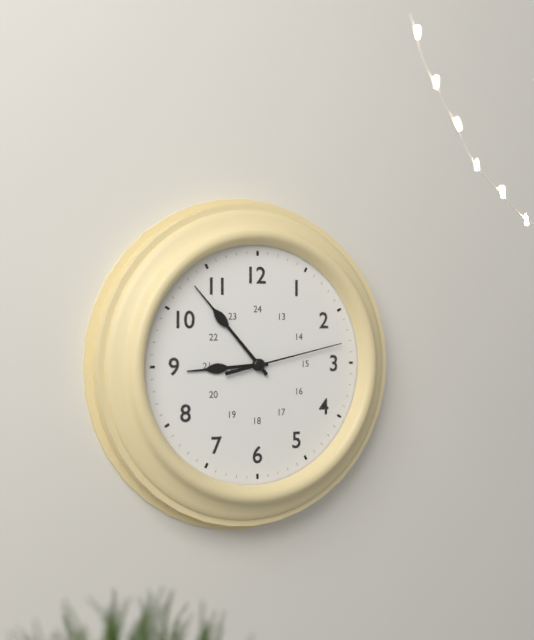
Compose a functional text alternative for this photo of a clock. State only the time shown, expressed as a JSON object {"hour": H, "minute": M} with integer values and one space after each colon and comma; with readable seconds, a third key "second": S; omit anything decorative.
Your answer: {"hour": 8, "minute": 53, "second": 13}
